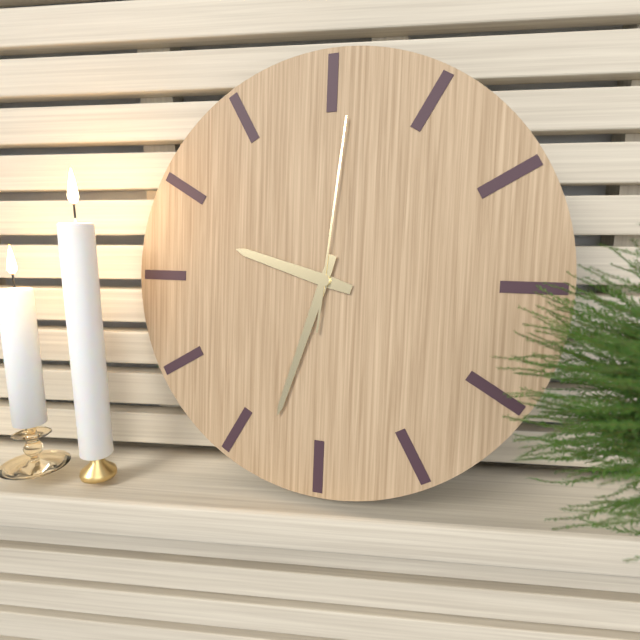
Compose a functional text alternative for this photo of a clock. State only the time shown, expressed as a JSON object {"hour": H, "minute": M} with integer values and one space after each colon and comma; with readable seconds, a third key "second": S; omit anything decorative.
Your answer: {"hour": 9, "minute": 33, "second": 1}
